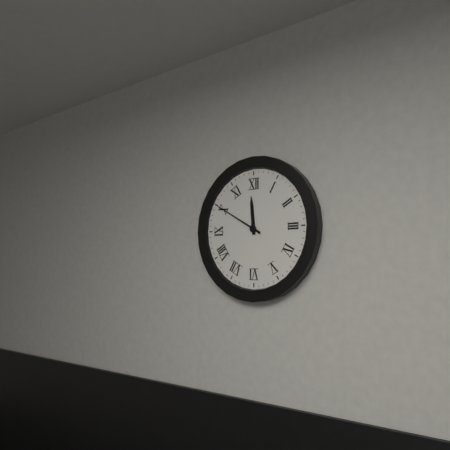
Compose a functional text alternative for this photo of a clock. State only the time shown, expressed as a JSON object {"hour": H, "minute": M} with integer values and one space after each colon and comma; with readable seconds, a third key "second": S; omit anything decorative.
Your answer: {"hour": 11, "minute": 50}
